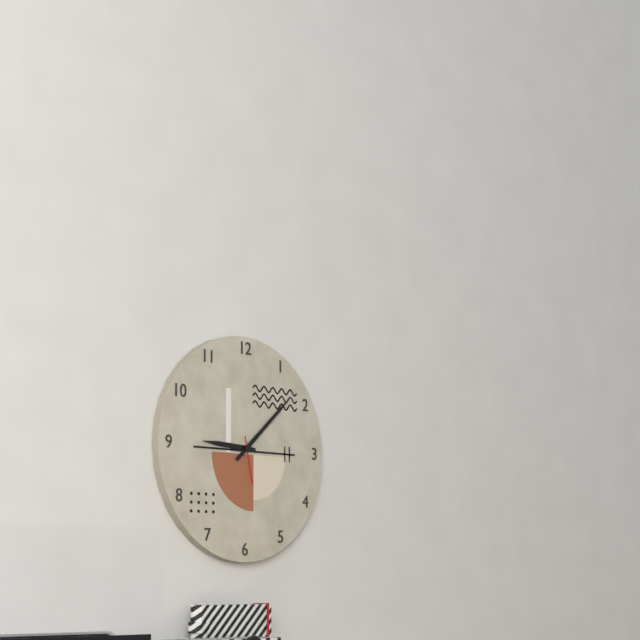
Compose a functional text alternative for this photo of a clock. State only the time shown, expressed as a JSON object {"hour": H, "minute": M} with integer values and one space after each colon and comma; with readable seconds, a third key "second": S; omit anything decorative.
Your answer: {"hour": 9, "minute": 8}
